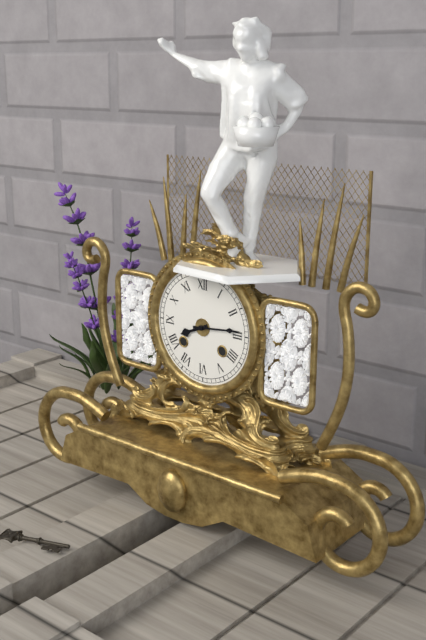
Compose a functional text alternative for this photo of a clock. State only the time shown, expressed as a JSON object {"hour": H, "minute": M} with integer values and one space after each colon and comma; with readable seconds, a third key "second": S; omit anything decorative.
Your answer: {"hour": 8, "minute": 14}
